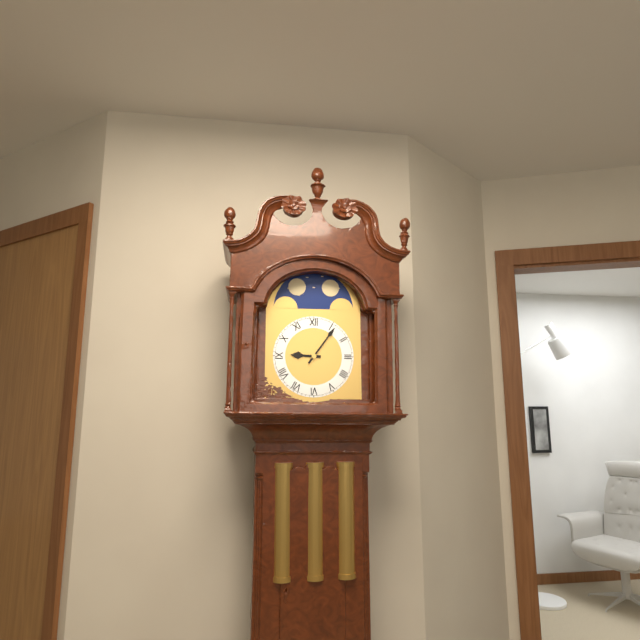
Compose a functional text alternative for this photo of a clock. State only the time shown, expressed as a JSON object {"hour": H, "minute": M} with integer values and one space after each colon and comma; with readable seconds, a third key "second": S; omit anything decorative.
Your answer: {"hour": 9, "minute": 6}
